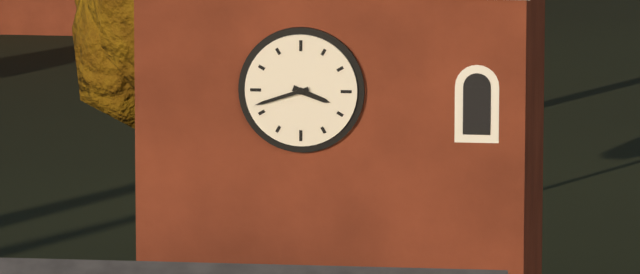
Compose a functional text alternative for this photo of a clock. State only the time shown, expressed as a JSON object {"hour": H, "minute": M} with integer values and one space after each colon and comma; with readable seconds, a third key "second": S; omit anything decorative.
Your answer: {"hour": 3, "minute": 42}
